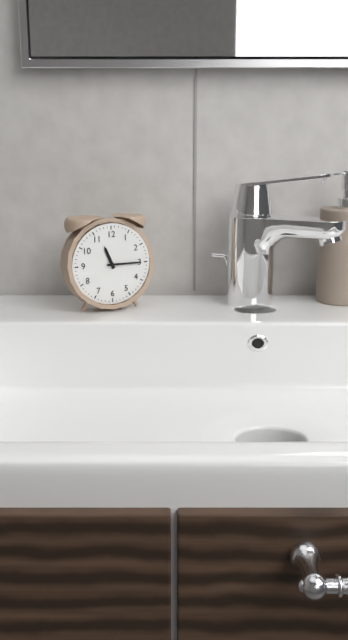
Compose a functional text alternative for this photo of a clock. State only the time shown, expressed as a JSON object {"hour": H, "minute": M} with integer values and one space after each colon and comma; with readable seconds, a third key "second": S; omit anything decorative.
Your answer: {"hour": 11, "minute": 15}
